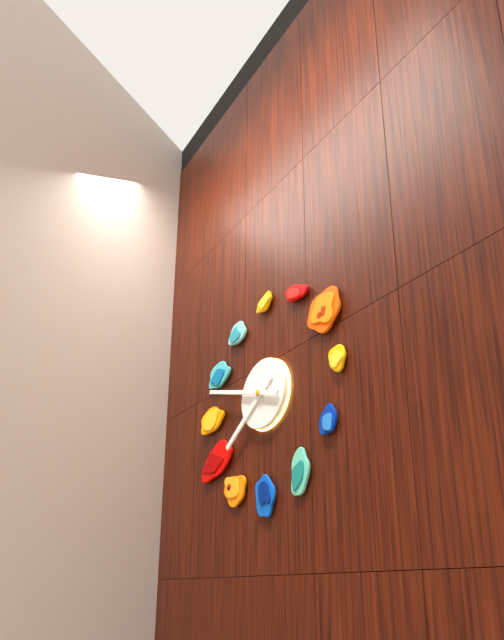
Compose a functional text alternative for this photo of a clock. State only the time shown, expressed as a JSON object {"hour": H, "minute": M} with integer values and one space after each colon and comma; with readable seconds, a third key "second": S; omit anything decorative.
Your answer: {"hour": 7, "minute": 48}
